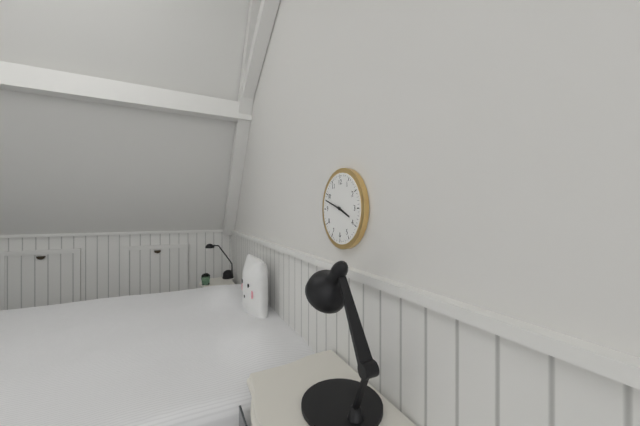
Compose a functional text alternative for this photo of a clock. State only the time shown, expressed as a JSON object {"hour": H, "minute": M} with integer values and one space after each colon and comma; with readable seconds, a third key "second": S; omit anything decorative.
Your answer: {"hour": 3, "minute": 48}
